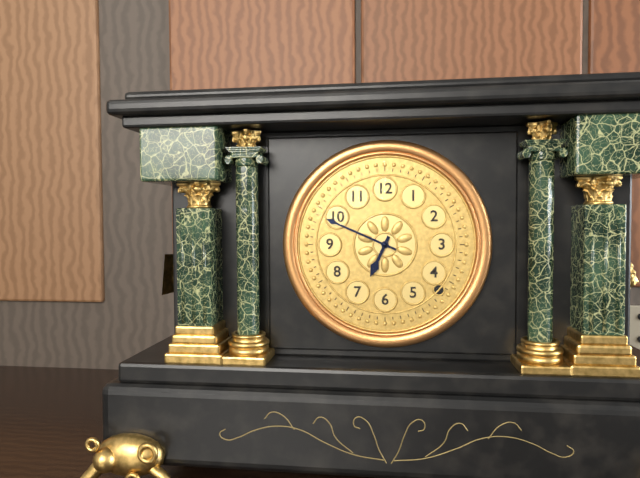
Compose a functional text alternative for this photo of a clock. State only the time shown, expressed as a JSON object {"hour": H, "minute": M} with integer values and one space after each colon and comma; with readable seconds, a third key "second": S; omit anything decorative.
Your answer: {"hour": 6, "minute": 49}
